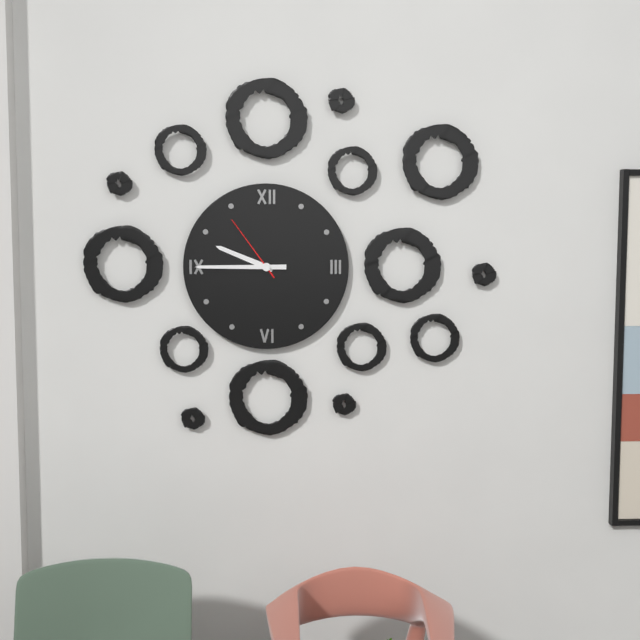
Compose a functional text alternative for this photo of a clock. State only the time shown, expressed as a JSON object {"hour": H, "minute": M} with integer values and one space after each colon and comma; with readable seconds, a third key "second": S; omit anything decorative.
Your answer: {"hour": 9, "minute": 45, "second": 54}
